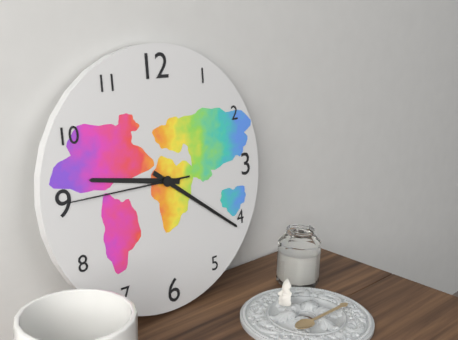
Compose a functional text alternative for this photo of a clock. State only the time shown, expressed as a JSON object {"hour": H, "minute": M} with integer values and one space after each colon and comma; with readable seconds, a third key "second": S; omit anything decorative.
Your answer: {"hour": 9, "minute": 21, "second": 45}
